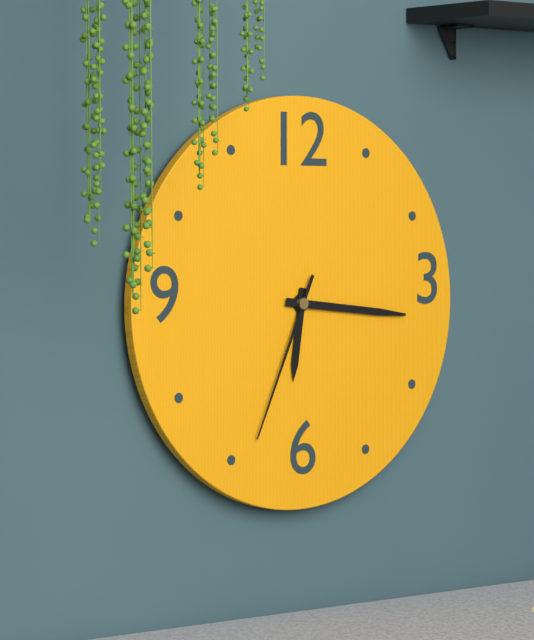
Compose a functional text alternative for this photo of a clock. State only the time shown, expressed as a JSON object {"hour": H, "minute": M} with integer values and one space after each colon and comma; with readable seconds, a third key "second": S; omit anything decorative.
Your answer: {"hour": 6, "minute": 16, "second": 34}
